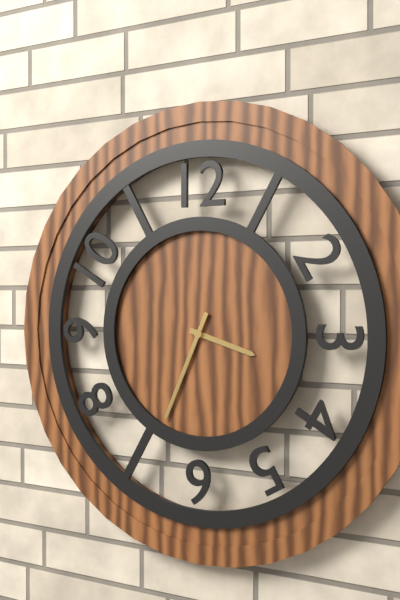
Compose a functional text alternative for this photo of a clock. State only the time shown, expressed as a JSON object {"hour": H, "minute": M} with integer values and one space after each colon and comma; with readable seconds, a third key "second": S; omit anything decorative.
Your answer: {"hour": 3, "minute": 34}
